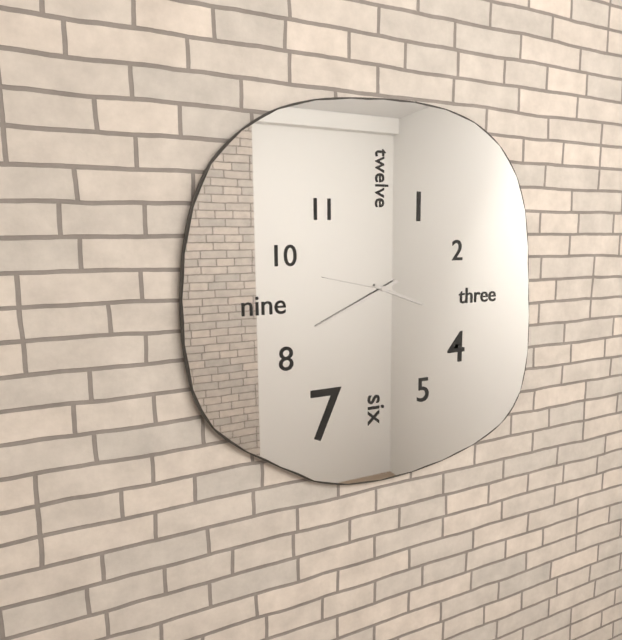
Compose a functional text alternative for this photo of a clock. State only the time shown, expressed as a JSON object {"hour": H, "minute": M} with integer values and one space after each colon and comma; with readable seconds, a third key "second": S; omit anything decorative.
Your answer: {"hour": 3, "minute": 41, "second": 47}
